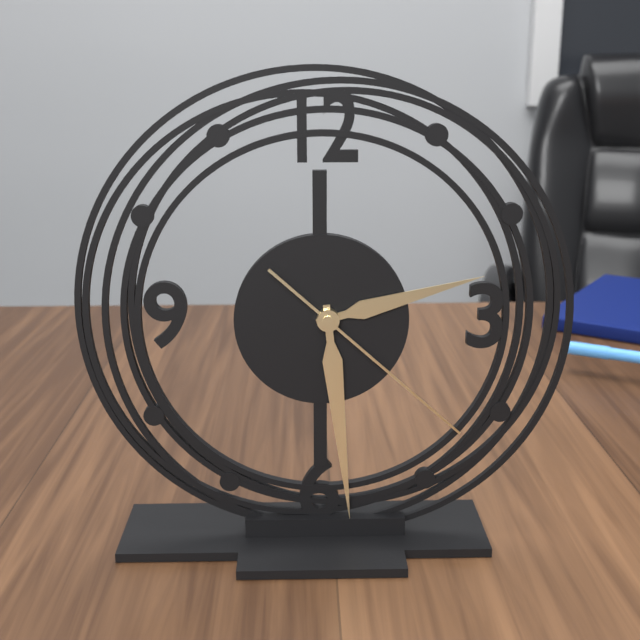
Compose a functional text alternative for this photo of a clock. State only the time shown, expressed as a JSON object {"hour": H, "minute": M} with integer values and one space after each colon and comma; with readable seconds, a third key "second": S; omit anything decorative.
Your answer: {"hour": 2, "minute": 29, "second": 22}
